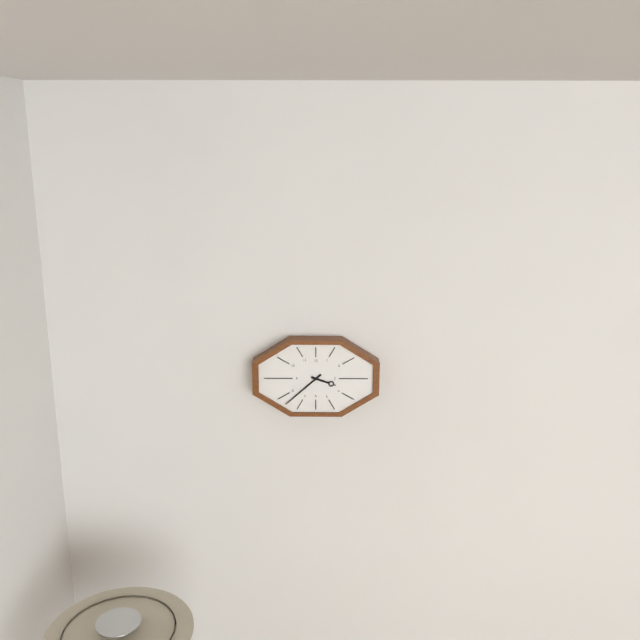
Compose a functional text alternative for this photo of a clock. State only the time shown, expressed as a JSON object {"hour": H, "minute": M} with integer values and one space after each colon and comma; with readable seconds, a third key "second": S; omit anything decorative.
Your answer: {"hour": 3, "minute": 38}
